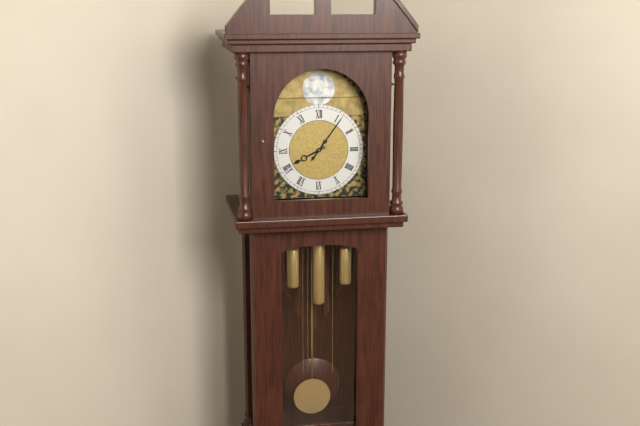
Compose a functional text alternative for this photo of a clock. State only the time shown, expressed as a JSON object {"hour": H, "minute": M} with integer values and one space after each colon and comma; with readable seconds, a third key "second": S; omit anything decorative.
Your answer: {"hour": 8, "minute": 6}
